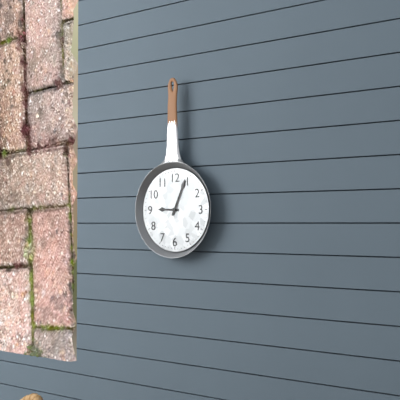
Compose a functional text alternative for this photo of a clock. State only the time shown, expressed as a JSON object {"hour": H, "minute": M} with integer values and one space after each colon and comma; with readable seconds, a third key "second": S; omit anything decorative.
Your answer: {"hour": 9, "minute": 4}
